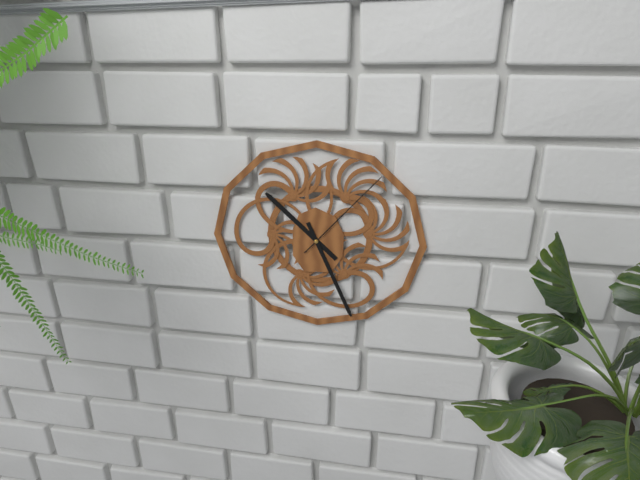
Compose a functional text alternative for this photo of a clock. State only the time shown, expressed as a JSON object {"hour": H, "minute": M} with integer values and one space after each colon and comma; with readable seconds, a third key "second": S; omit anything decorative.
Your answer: {"hour": 10, "minute": 26, "second": 7}
